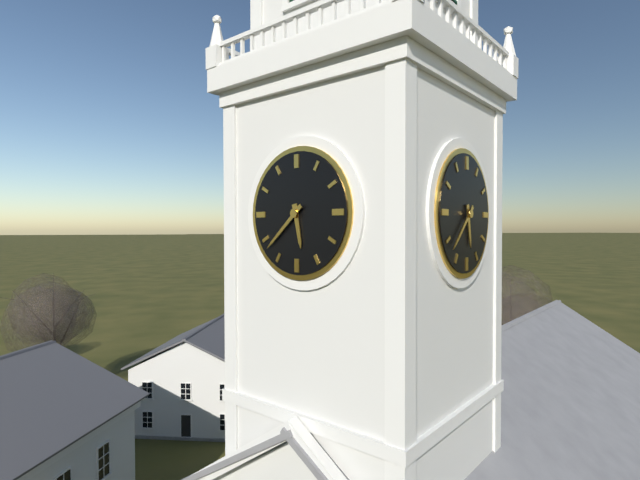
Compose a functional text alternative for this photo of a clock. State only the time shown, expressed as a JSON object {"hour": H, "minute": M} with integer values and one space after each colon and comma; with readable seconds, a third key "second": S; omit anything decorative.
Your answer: {"hour": 5, "minute": 38}
